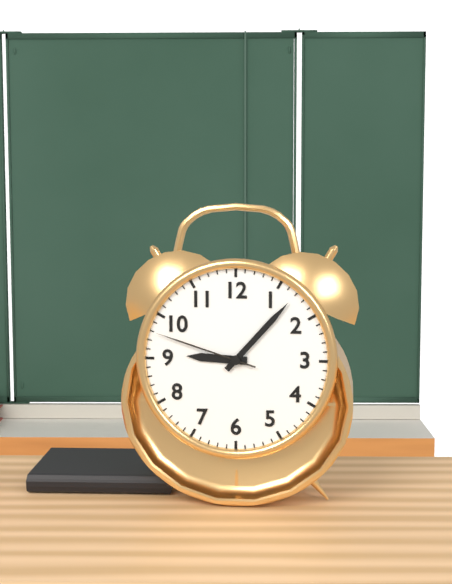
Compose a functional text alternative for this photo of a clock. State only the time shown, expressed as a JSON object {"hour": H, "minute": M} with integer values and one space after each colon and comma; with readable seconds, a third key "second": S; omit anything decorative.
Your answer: {"hour": 9, "minute": 7, "second": 48}
